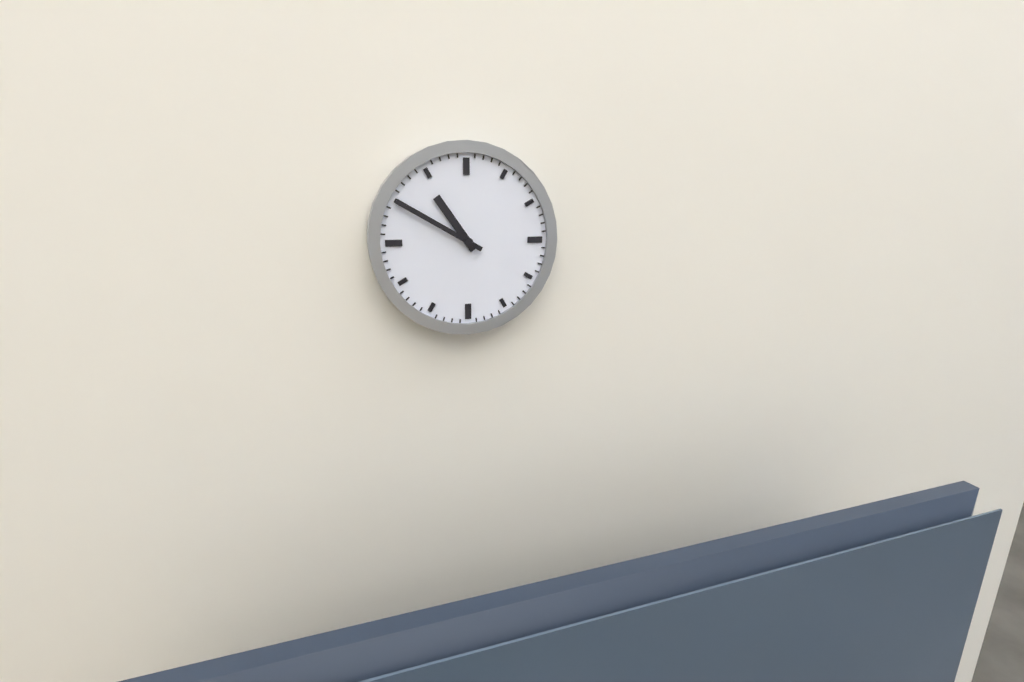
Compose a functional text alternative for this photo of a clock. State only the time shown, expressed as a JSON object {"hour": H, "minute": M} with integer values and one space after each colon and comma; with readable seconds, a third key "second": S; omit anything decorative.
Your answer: {"hour": 10, "minute": 50}
